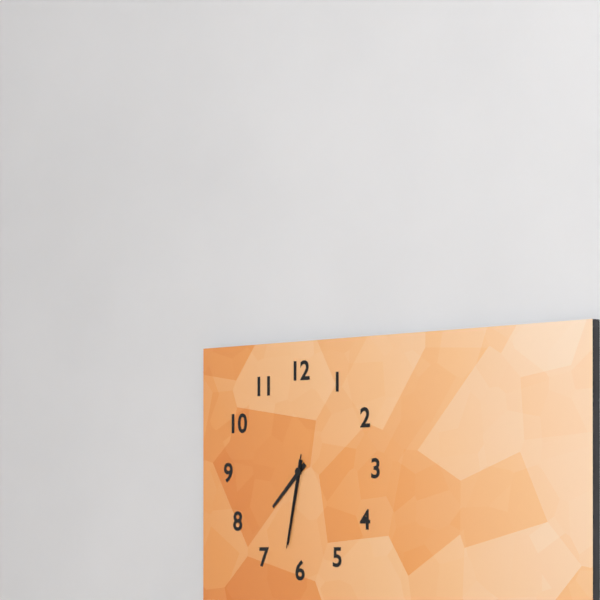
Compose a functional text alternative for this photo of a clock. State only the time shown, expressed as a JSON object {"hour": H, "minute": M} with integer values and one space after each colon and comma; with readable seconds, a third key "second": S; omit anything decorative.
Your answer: {"hour": 7, "minute": 32, "second": 32}
